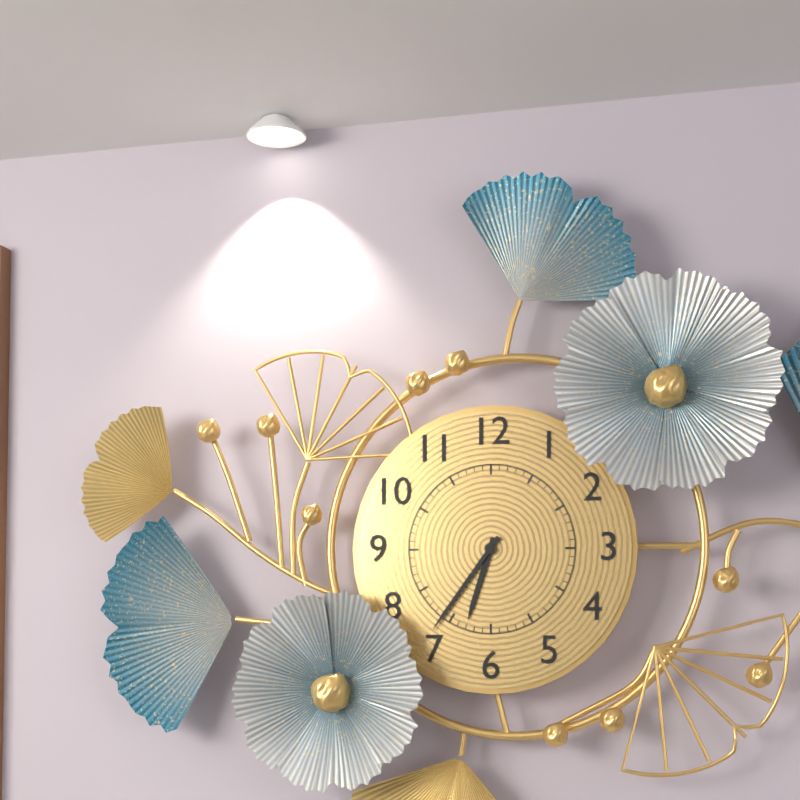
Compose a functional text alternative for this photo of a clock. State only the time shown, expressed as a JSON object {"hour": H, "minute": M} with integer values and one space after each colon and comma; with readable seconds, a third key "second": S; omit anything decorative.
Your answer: {"hour": 6, "minute": 36}
